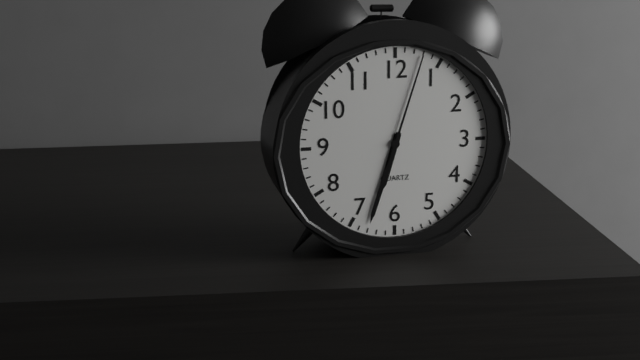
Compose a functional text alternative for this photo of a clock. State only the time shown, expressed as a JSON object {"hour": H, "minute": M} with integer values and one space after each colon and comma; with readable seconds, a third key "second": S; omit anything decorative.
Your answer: {"hour": 6, "minute": 33, "second": 3}
